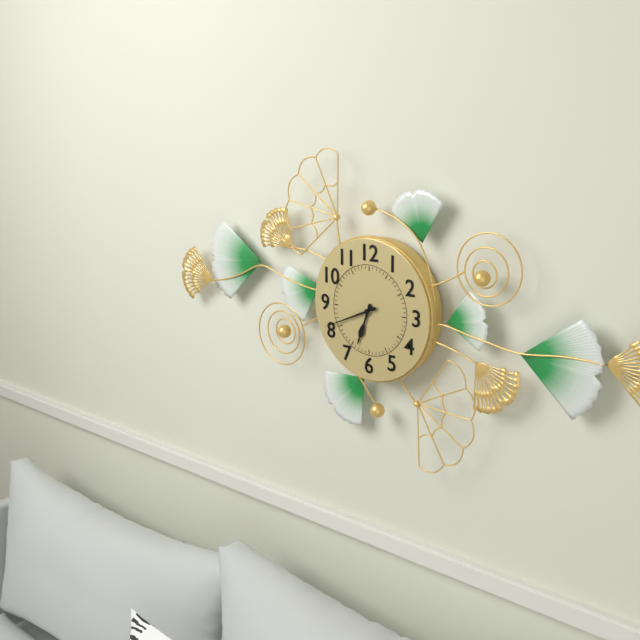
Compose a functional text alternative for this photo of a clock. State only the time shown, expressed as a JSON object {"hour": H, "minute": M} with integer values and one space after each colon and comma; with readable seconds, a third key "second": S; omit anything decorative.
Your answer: {"hour": 6, "minute": 41}
